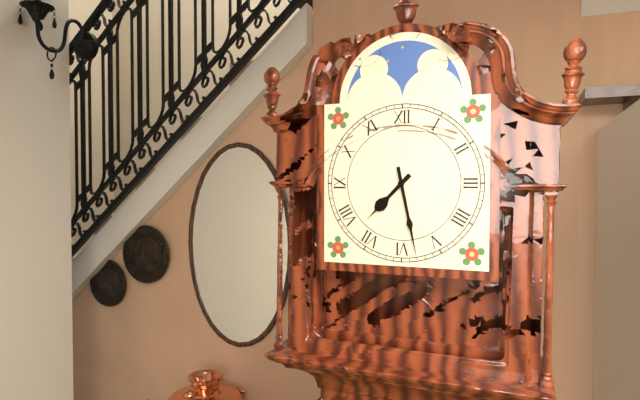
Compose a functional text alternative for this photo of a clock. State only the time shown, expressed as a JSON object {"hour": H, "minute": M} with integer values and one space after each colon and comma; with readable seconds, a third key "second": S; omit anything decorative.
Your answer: {"hour": 7, "minute": 28}
